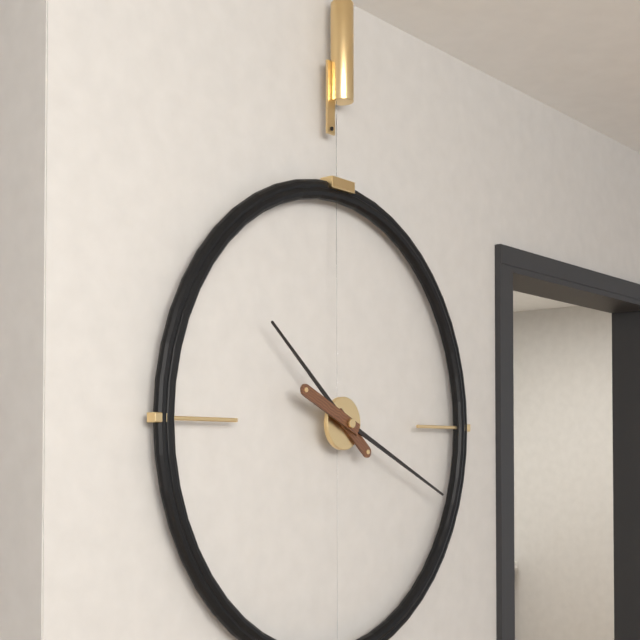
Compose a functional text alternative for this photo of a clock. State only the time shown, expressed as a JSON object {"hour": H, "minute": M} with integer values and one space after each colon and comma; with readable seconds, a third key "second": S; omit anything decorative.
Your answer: {"hour": 10, "minute": 19}
